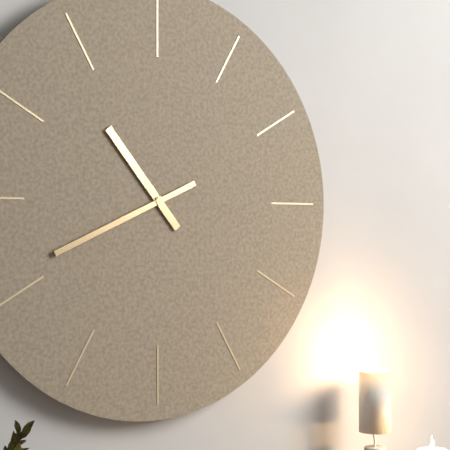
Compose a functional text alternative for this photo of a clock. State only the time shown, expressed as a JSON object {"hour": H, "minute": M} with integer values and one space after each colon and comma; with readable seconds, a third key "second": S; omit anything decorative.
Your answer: {"hour": 10, "minute": 41}
